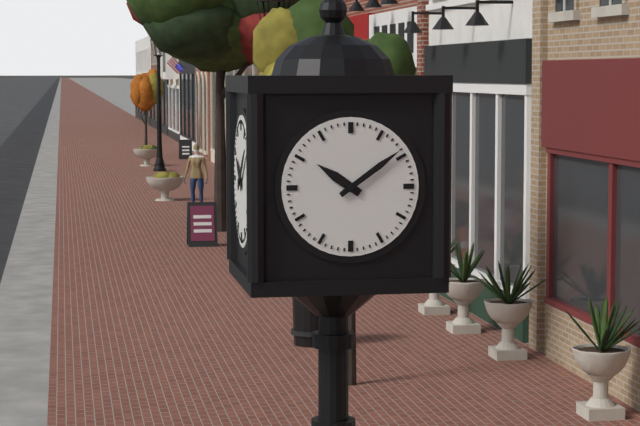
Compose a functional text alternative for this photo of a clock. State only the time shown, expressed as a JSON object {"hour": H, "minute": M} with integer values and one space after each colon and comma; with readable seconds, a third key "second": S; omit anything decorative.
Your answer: {"hour": 10, "minute": 9}
